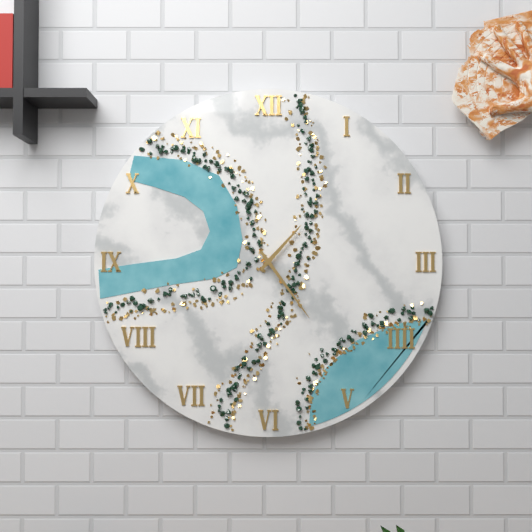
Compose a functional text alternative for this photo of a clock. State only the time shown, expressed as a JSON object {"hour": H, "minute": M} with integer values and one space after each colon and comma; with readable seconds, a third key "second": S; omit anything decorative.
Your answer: {"hour": 1, "minute": 24}
